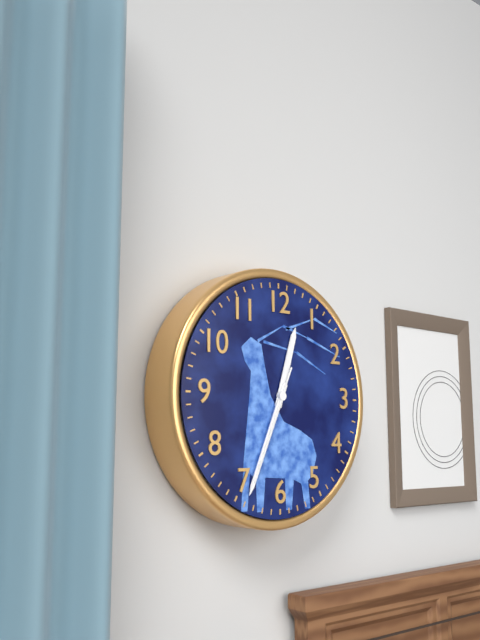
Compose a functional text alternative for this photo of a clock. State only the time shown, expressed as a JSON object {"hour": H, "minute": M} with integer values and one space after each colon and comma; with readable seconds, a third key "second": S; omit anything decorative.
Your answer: {"hour": 12, "minute": 34, "second": 34}
